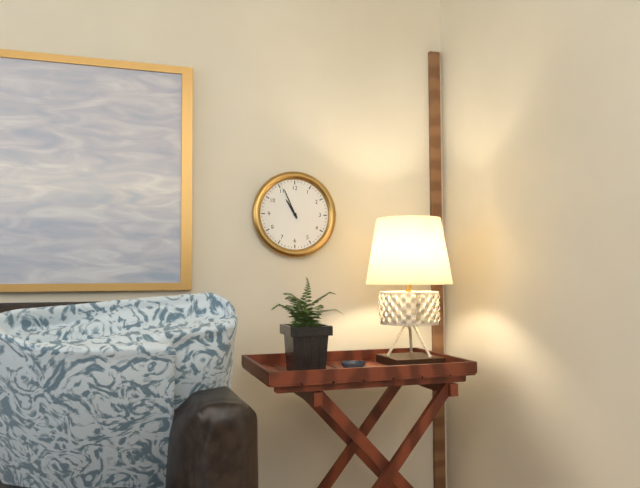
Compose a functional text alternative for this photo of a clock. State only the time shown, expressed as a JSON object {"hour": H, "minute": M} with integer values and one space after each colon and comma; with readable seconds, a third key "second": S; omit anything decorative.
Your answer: {"hour": 10, "minute": 56}
